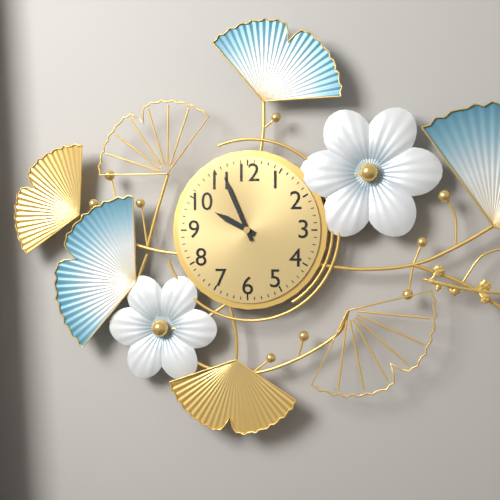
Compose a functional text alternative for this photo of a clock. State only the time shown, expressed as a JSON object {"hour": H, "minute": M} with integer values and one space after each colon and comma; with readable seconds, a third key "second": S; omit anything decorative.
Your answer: {"hour": 9, "minute": 56}
